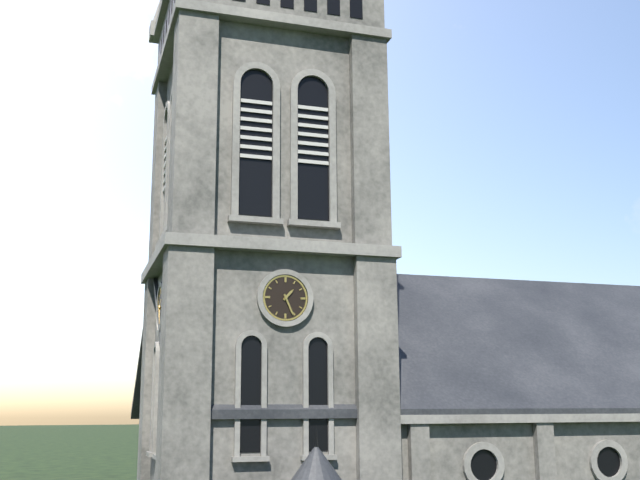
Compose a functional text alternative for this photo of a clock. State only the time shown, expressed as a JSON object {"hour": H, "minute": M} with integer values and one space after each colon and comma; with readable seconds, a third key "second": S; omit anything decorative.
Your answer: {"hour": 1, "minute": 26}
